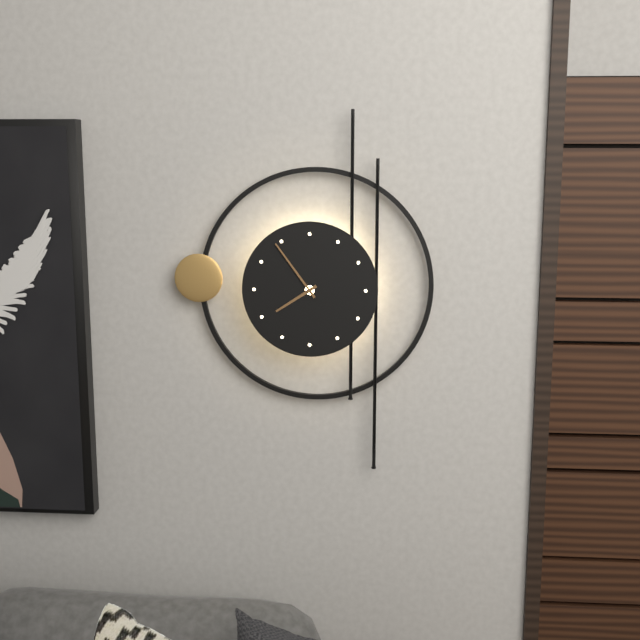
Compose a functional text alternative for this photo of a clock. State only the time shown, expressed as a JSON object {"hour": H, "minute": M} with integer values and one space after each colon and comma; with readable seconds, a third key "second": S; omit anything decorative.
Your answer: {"hour": 7, "minute": 54}
